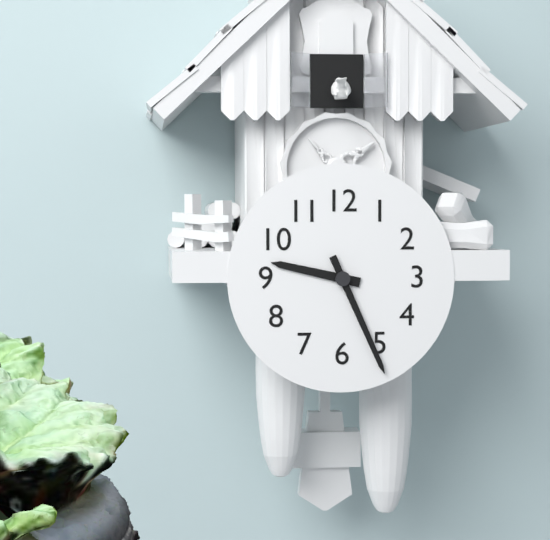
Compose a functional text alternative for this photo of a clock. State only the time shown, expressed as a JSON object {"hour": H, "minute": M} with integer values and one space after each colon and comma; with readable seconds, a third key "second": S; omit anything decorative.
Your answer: {"hour": 9, "minute": 26}
